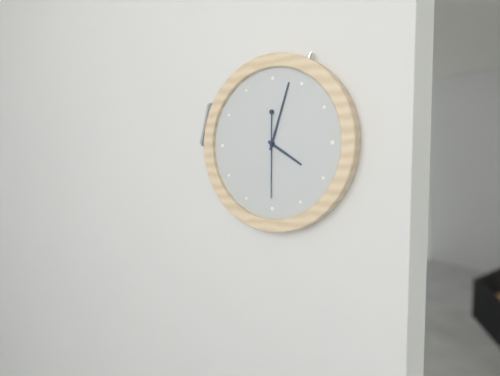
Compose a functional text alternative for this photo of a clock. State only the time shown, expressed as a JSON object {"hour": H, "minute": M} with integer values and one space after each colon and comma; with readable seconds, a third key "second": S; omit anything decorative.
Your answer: {"hour": 4, "minute": 3, "second": 30}
